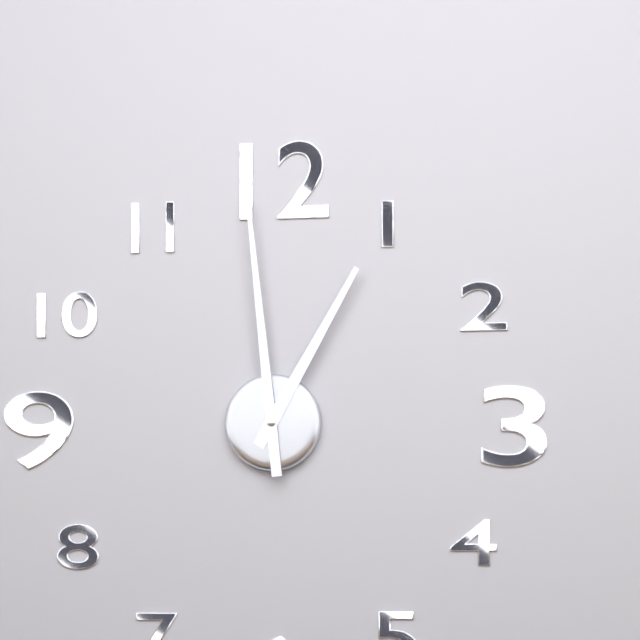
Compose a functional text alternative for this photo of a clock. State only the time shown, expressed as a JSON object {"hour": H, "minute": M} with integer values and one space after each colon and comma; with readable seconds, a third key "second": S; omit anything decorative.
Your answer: {"hour": 12, "minute": 59}
